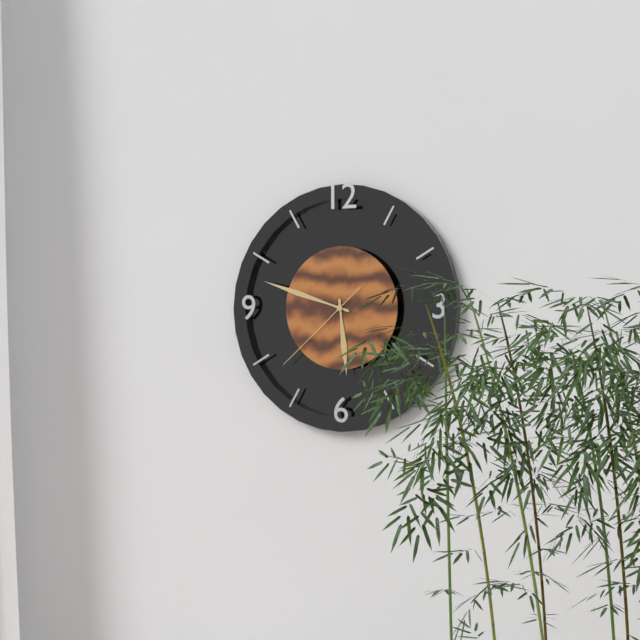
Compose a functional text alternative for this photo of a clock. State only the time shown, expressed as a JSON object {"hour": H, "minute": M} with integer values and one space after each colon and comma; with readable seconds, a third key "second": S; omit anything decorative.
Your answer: {"hour": 5, "minute": 48, "second": 38}
